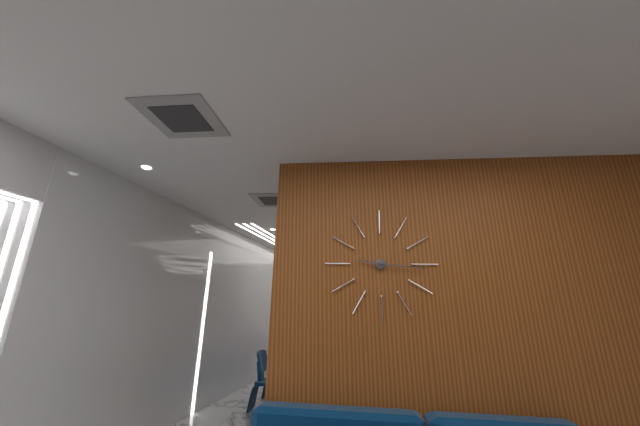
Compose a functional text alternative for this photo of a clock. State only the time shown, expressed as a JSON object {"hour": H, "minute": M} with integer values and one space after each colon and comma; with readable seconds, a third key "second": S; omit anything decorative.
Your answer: {"hour": 9, "minute": 16}
